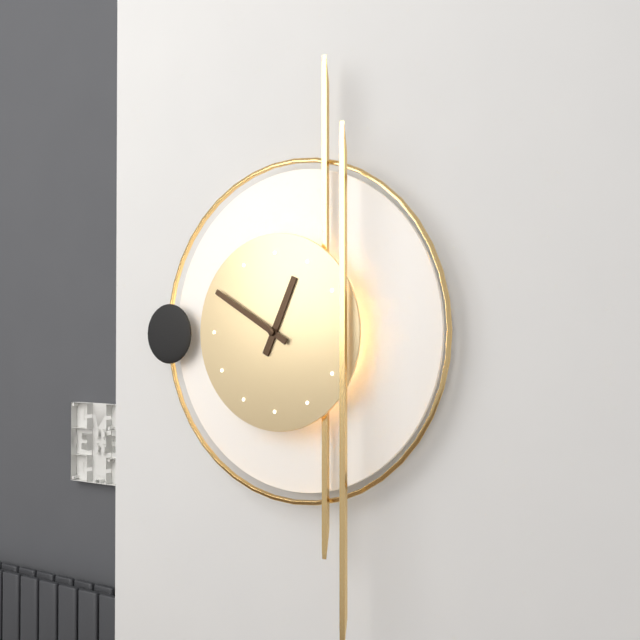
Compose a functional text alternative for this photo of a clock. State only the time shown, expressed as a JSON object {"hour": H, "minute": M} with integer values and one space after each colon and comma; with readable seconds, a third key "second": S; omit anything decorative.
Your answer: {"hour": 12, "minute": 50}
